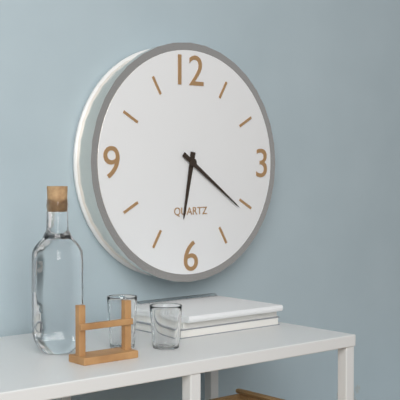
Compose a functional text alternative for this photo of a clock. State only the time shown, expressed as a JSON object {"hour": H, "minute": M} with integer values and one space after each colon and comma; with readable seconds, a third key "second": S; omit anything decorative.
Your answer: {"hour": 6, "minute": 21}
